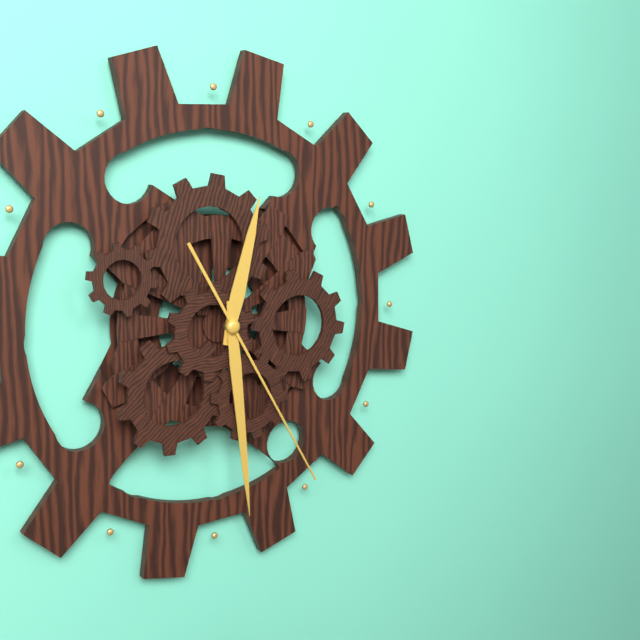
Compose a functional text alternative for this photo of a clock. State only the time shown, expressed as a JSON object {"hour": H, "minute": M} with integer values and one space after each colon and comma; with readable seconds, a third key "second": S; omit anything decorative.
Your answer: {"hour": 12, "minute": 29, "second": 25}
